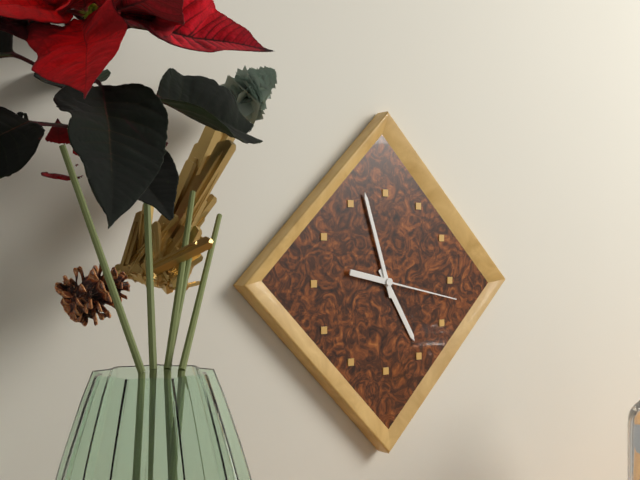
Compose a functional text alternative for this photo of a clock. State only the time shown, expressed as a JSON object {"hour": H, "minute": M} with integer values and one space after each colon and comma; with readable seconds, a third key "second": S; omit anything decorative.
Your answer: {"hour": 4, "minute": 57, "second": 17}
